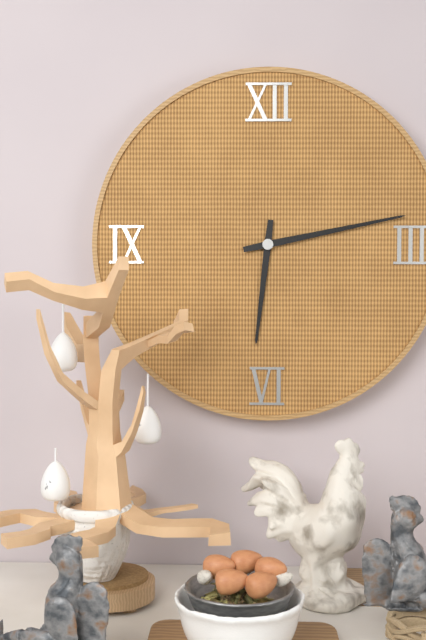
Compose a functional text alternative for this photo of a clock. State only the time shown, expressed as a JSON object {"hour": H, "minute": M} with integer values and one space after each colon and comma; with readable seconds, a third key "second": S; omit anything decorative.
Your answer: {"hour": 6, "minute": 13}
